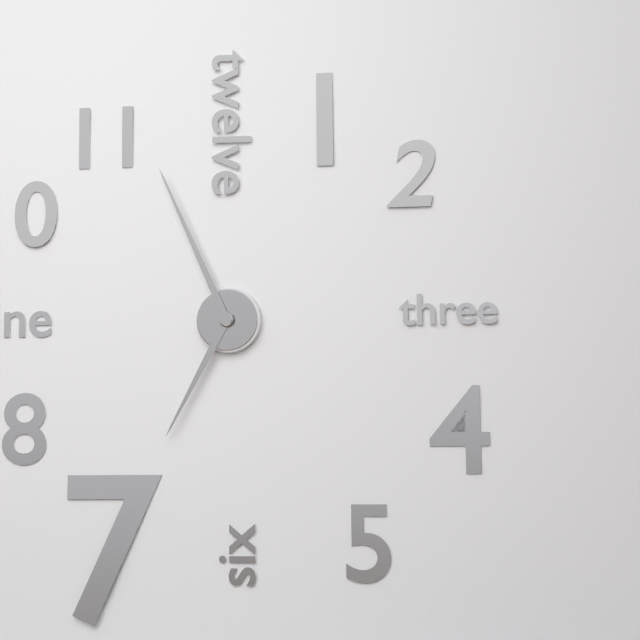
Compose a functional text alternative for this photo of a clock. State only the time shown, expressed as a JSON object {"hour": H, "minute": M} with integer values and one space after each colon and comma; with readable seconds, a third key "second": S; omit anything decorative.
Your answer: {"hour": 6, "minute": 56}
